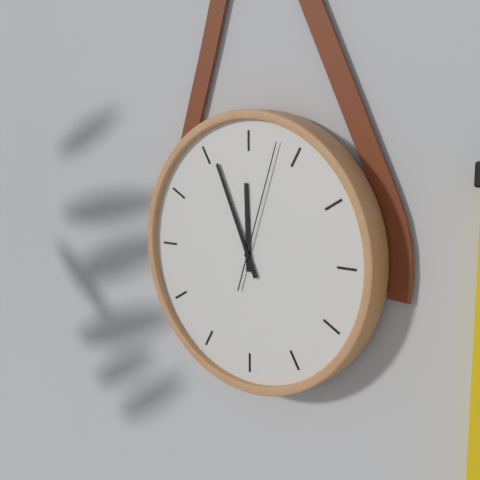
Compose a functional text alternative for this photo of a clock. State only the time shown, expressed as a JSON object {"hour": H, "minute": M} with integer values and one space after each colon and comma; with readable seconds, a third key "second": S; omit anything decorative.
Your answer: {"hour": 11, "minute": 56, "second": 3}
